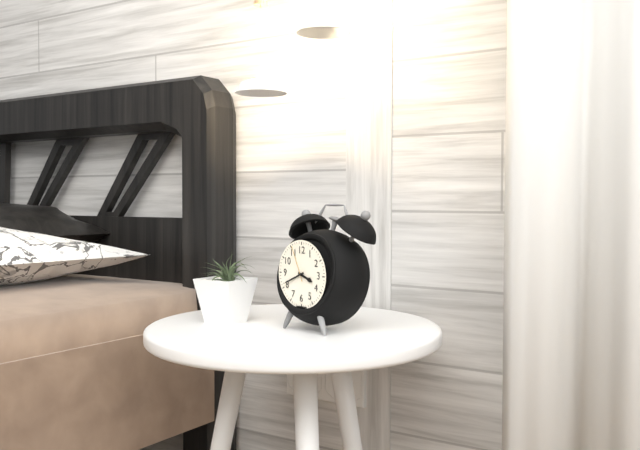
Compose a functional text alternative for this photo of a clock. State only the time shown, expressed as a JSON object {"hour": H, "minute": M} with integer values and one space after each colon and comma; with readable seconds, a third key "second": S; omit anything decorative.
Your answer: {"hour": 3, "minute": 41}
